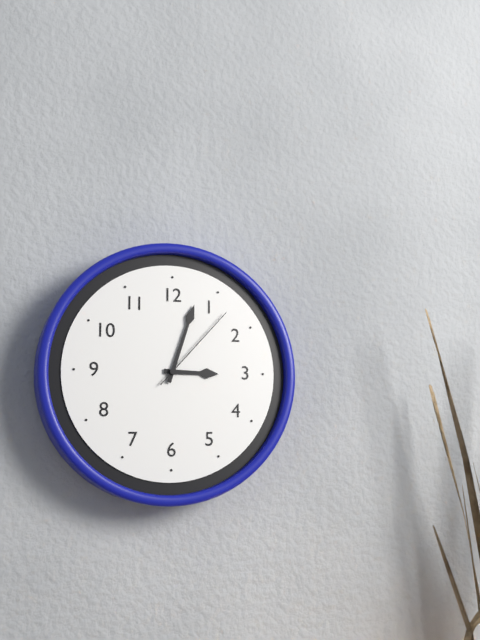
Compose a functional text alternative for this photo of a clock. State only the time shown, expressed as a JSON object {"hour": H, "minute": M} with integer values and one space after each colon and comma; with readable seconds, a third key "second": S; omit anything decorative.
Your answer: {"hour": 3, "minute": 3, "second": 7}
